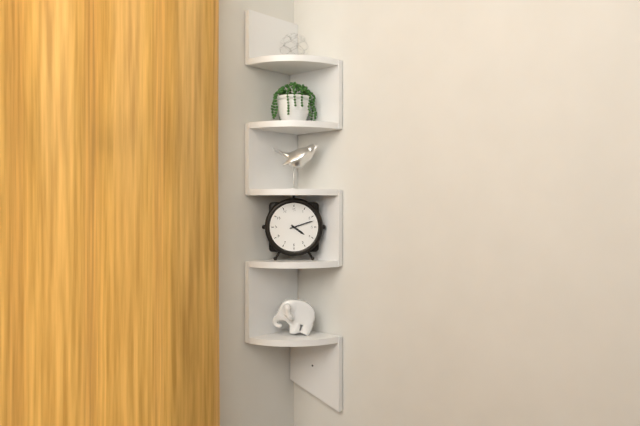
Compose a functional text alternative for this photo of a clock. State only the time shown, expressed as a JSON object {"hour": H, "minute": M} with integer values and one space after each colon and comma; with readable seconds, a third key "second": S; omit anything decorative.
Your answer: {"hour": 4, "minute": 12}
